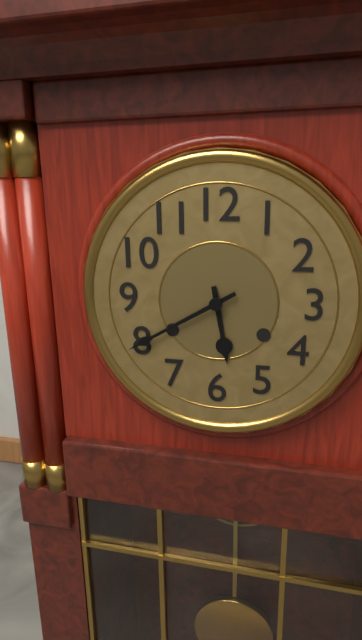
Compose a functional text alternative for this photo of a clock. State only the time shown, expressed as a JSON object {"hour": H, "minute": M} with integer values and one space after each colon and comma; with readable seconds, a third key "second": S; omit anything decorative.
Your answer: {"hour": 5, "minute": 40}
